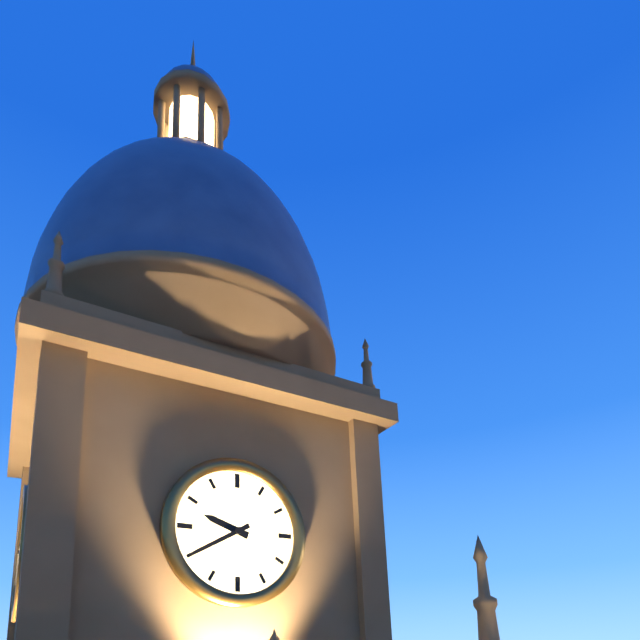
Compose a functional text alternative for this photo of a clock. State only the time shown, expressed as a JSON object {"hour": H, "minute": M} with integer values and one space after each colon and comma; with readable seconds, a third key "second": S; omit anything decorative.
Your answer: {"hour": 9, "minute": 40}
